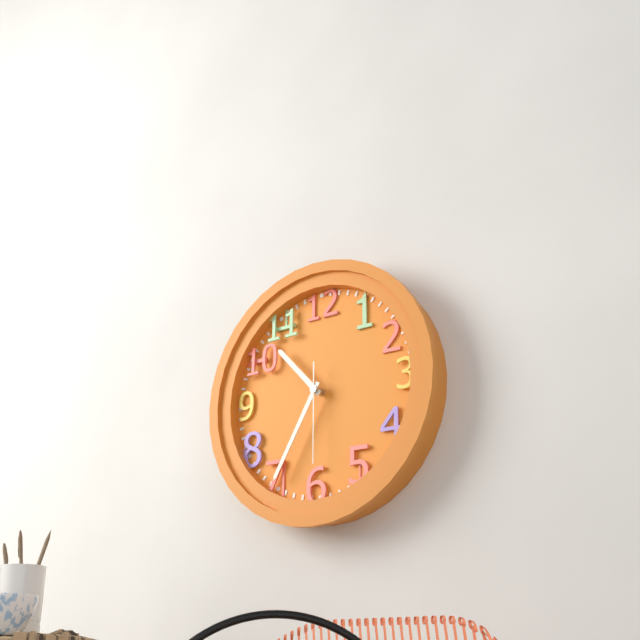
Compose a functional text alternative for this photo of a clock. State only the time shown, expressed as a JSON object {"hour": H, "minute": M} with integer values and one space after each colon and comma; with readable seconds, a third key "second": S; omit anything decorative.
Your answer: {"hour": 10, "minute": 35, "second": 30}
